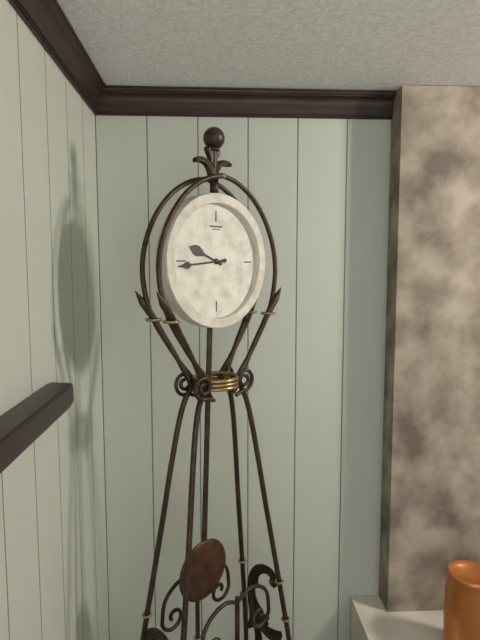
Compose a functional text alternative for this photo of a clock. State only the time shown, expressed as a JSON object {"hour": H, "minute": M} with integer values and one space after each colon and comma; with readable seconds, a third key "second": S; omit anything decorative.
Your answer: {"hour": 9, "minute": 44}
